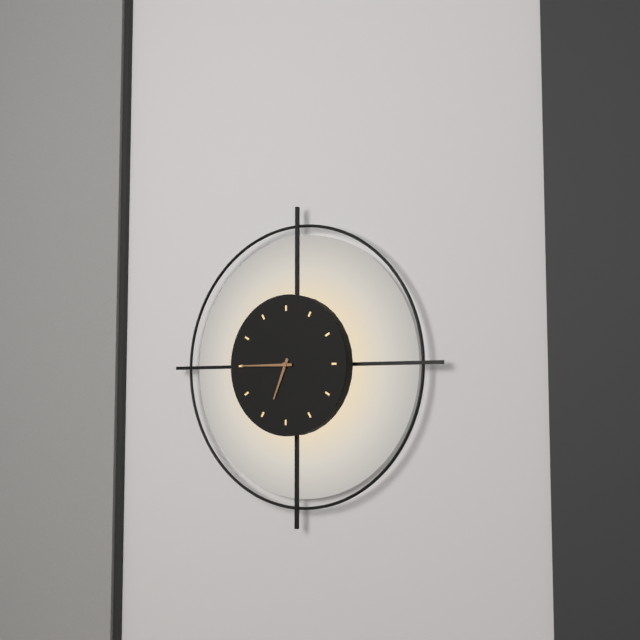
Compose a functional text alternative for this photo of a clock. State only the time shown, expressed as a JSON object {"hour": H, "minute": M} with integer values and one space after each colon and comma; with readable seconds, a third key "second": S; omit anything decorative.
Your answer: {"hour": 6, "minute": 45}
